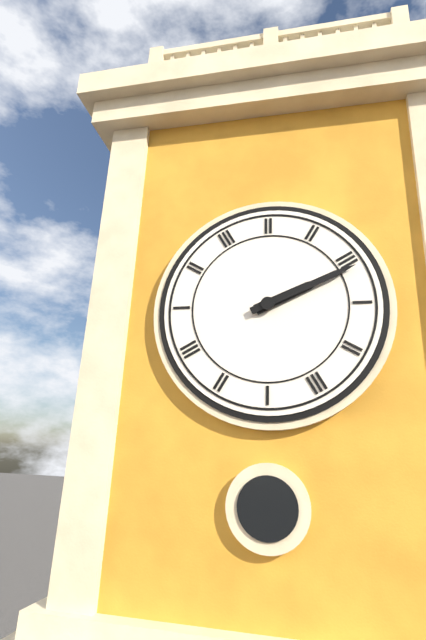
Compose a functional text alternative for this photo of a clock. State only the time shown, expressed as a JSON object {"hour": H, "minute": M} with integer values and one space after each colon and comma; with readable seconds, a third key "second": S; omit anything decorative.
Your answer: {"hour": 2, "minute": 11}
